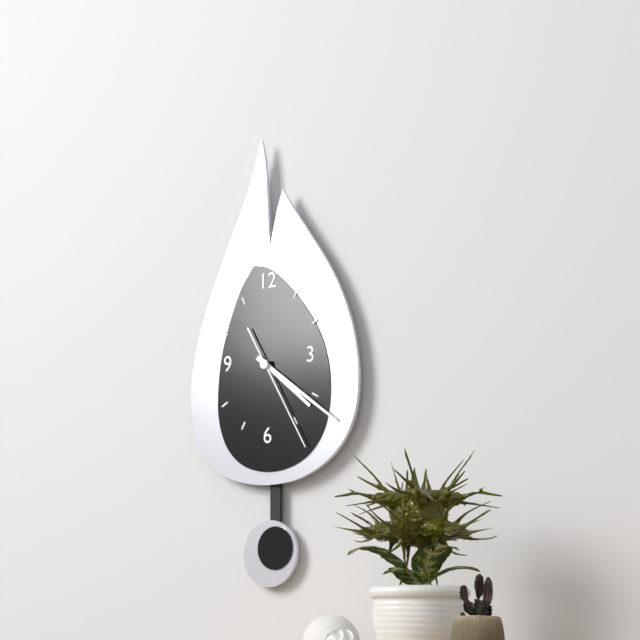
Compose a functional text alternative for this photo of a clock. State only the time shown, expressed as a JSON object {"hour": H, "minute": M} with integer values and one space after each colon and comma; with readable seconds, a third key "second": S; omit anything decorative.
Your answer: {"hour": 4, "minute": 21, "second": 25}
